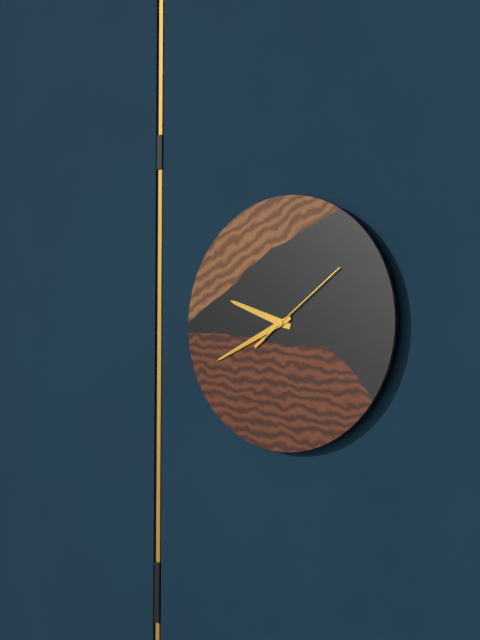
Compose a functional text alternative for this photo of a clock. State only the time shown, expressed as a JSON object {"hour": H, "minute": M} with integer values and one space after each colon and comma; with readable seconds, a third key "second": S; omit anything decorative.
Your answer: {"hour": 9, "minute": 41, "second": 9}
